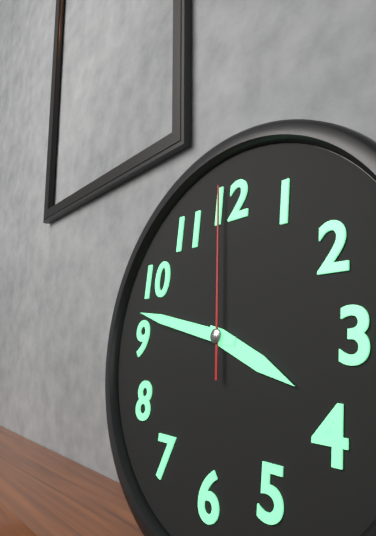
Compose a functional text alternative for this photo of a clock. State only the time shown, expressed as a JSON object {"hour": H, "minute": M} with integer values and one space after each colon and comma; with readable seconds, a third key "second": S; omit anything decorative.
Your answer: {"hour": 3, "minute": 47, "second": 59}
